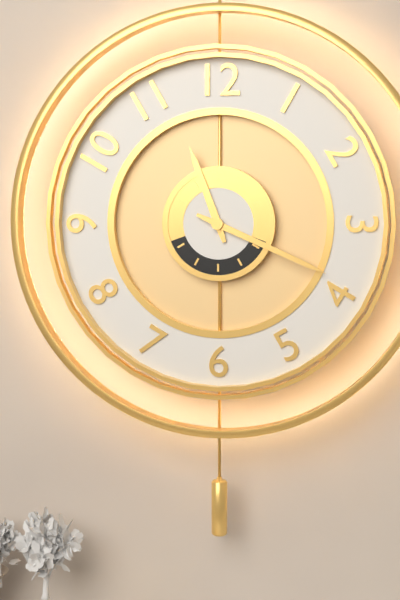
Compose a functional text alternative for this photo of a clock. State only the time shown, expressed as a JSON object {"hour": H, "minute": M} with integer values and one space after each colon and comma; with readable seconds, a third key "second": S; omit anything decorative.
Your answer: {"hour": 11, "minute": 19}
